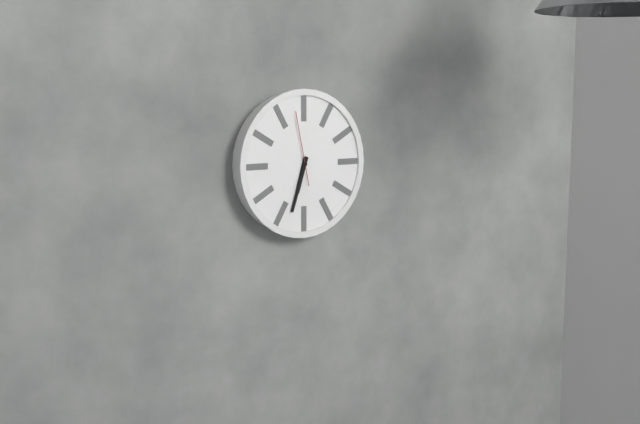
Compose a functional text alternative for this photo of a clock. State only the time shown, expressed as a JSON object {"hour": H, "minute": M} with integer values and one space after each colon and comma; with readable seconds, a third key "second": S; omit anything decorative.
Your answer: {"hour": 6, "minute": 33, "second": 58}
